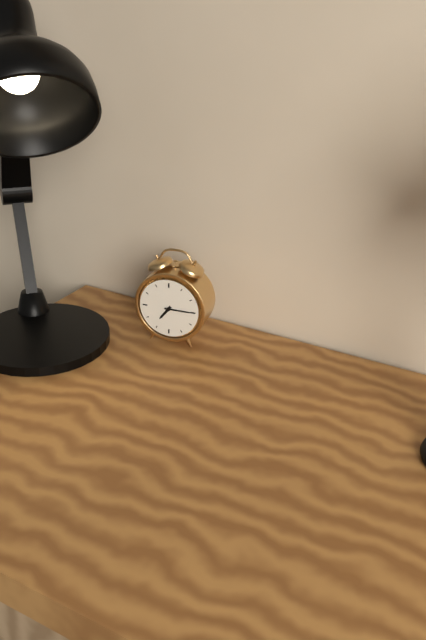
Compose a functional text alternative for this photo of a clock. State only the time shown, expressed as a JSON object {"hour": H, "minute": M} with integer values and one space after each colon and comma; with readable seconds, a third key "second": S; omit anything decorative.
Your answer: {"hour": 7, "minute": 15}
